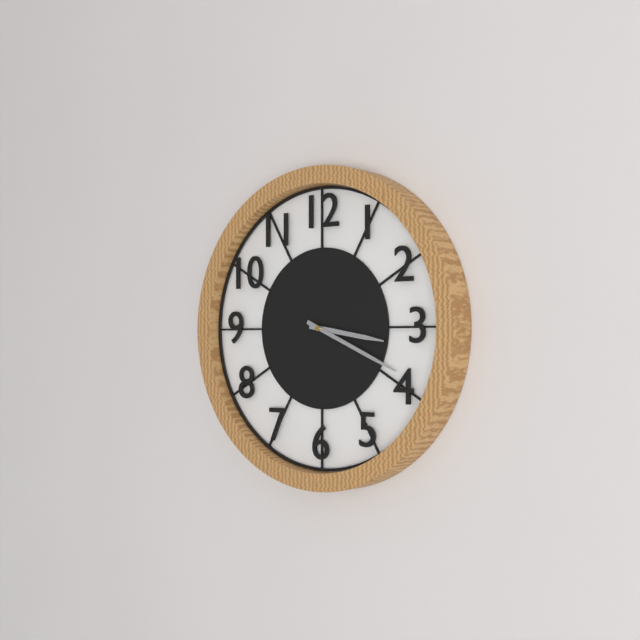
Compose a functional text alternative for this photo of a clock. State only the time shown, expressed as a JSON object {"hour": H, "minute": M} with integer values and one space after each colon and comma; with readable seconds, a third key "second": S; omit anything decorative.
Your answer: {"hour": 3, "minute": 19}
